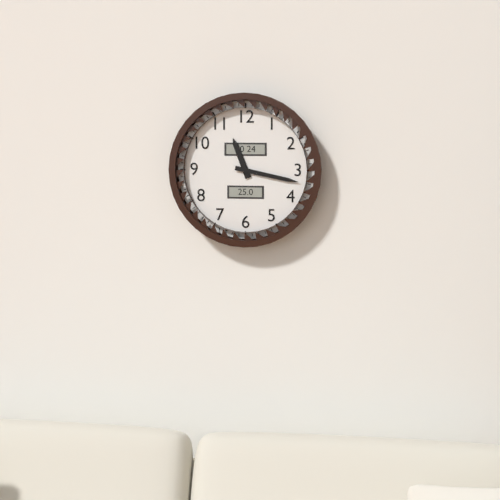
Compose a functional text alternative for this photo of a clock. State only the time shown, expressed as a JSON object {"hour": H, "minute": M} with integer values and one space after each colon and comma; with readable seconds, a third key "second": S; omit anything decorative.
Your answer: {"hour": 11, "minute": 17}
